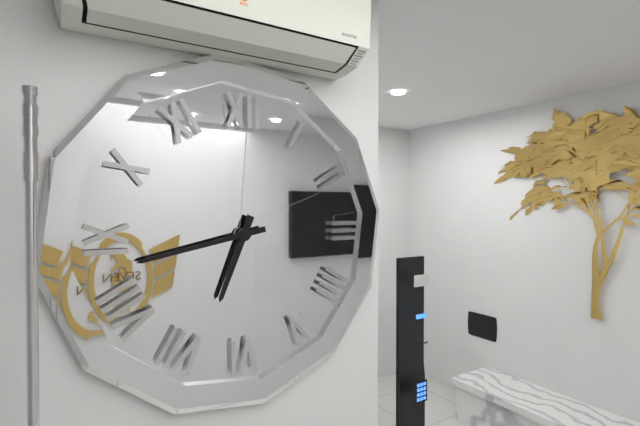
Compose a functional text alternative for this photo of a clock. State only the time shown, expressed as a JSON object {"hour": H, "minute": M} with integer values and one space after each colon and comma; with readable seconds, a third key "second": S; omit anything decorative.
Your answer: {"hour": 6, "minute": 43}
